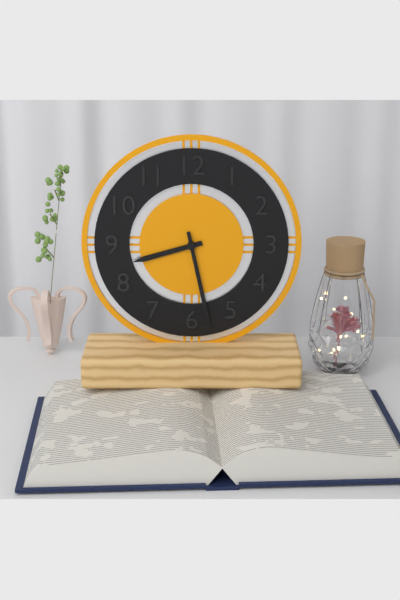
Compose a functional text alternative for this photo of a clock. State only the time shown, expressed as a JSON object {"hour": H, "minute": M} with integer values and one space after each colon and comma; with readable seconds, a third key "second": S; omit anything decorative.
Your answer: {"hour": 8, "minute": 28}
